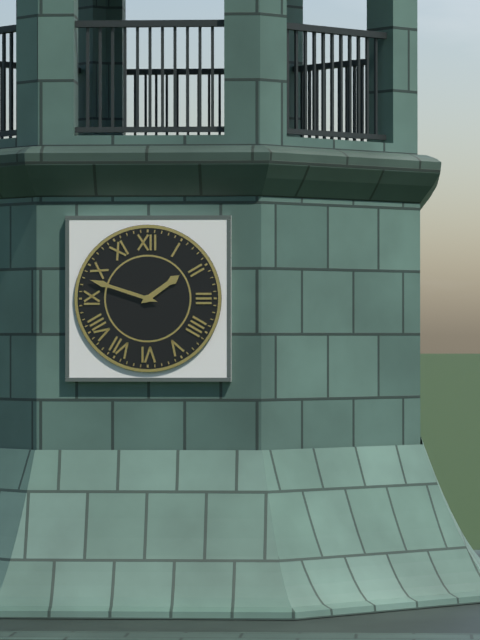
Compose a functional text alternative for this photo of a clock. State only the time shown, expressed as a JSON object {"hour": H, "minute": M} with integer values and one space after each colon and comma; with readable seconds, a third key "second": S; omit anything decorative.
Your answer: {"hour": 1, "minute": 48}
